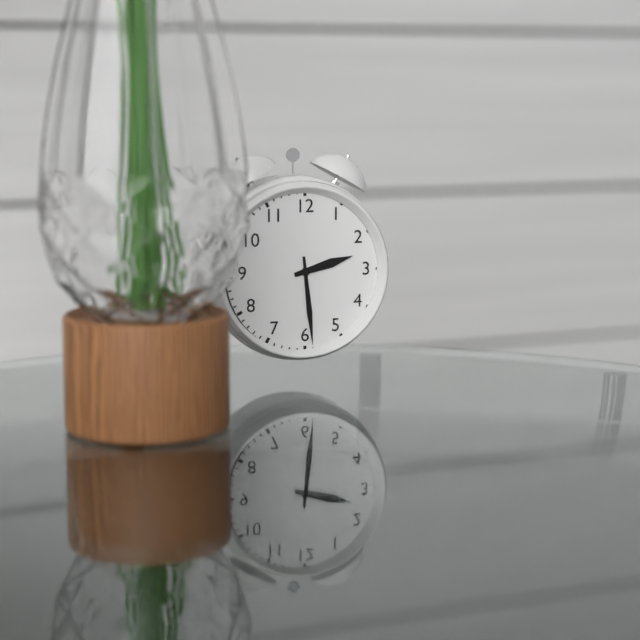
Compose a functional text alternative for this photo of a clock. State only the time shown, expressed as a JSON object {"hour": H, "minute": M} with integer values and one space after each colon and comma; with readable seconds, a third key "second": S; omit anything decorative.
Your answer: {"hour": 2, "minute": 29}
